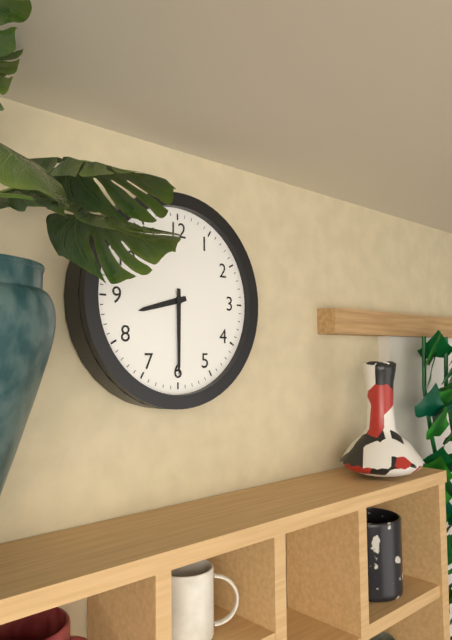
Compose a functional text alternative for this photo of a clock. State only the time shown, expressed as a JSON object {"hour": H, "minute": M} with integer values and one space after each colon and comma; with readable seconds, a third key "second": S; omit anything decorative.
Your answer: {"hour": 8, "minute": 30}
